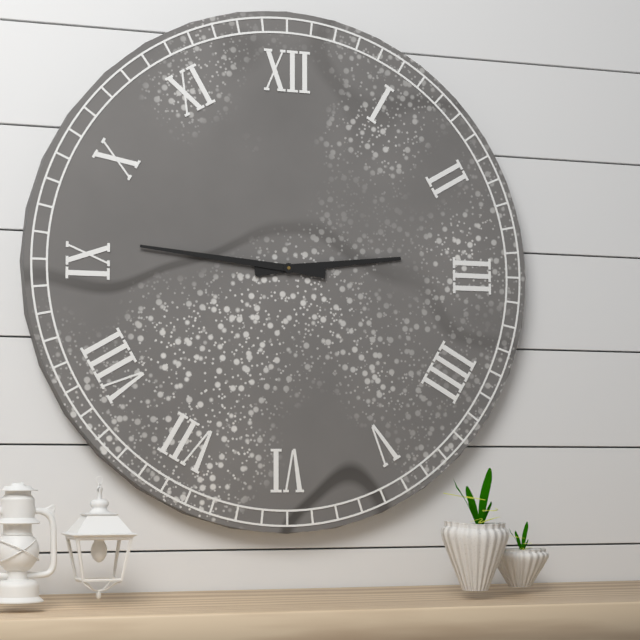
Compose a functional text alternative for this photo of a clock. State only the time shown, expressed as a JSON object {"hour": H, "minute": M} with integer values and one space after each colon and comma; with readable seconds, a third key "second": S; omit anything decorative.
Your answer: {"hour": 2, "minute": 46}
